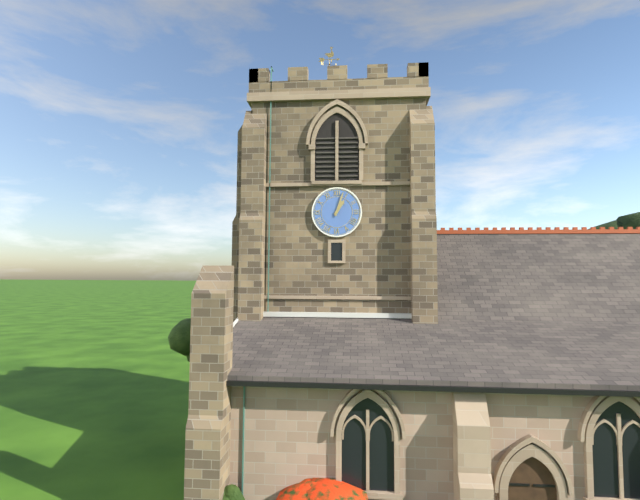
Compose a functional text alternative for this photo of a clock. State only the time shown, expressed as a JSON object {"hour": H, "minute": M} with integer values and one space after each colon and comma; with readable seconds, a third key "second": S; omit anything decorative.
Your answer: {"hour": 1, "minute": 3}
